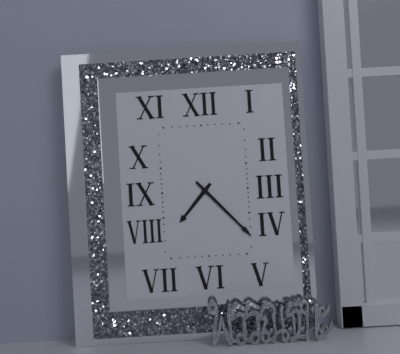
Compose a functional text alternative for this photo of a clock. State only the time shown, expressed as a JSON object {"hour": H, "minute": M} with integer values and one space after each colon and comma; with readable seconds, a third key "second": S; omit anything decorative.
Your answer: {"hour": 7, "minute": 23}
